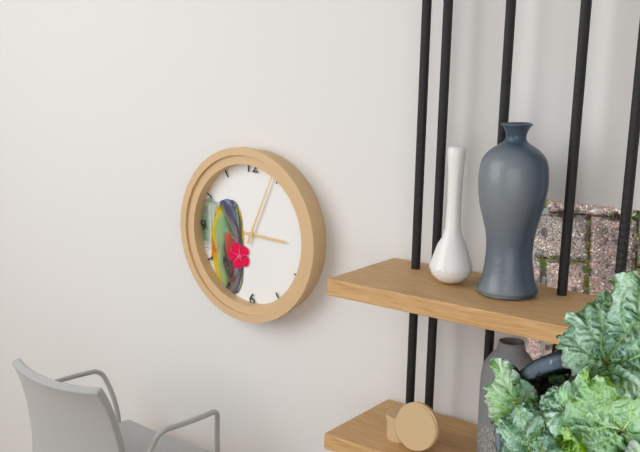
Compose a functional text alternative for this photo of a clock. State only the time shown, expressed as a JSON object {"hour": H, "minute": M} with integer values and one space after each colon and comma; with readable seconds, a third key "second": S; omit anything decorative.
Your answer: {"hour": 3, "minute": 4}
